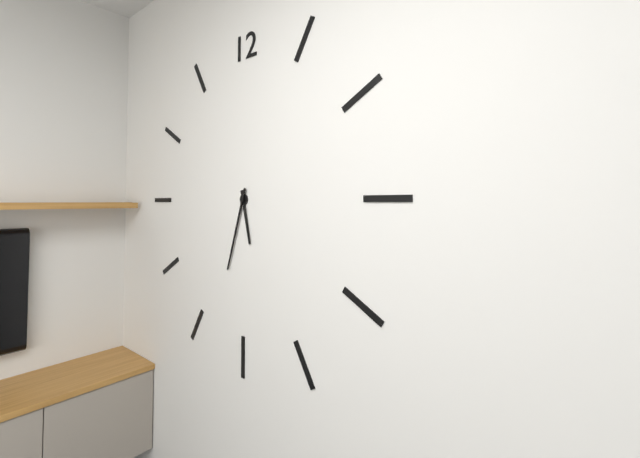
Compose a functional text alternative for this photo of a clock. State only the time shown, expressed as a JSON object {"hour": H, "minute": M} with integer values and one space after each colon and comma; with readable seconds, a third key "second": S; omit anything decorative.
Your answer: {"hour": 5, "minute": 33}
